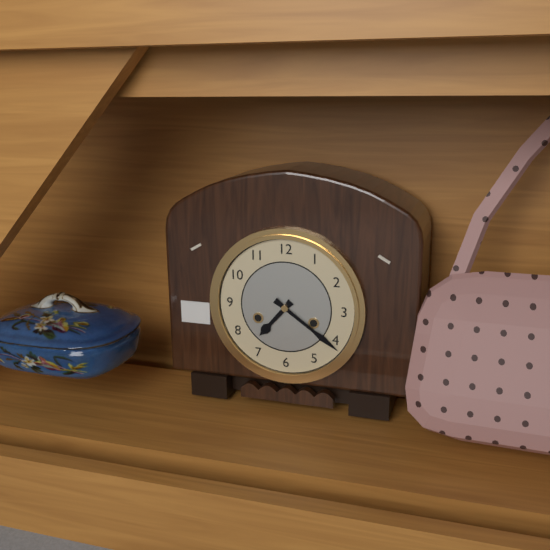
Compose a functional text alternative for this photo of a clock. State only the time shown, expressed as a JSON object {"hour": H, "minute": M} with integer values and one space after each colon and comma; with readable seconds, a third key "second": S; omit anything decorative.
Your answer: {"hour": 7, "minute": 21}
